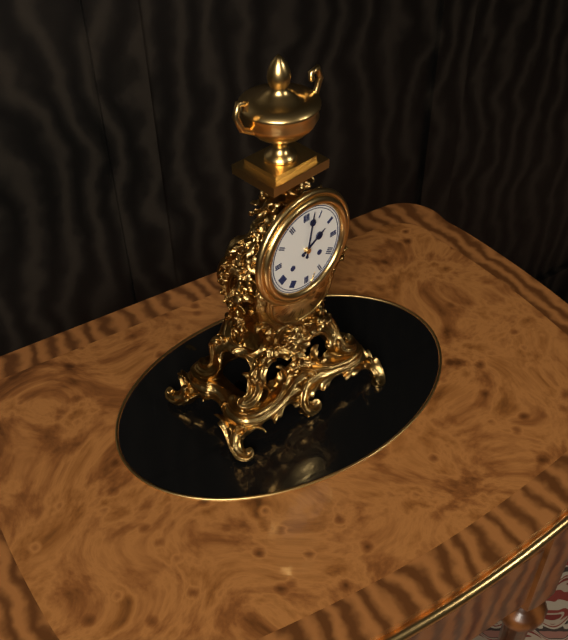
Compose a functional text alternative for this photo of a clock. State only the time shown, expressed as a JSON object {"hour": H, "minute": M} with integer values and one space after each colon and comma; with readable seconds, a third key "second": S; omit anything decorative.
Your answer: {"hour": 2, "minute": 2}
